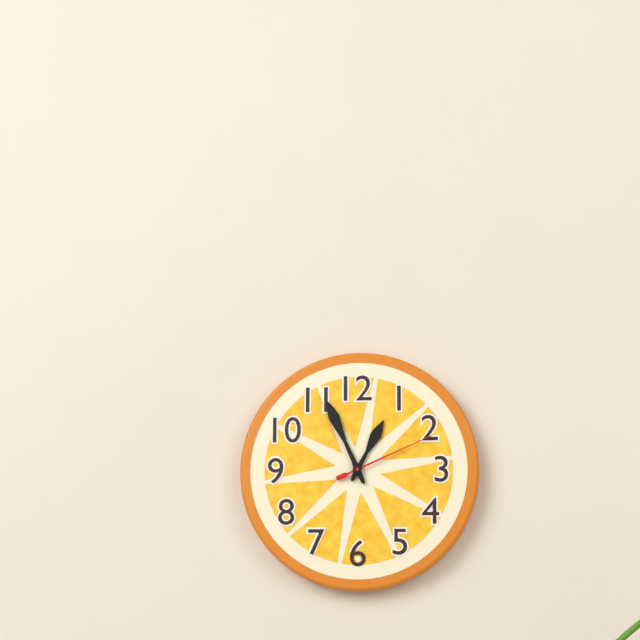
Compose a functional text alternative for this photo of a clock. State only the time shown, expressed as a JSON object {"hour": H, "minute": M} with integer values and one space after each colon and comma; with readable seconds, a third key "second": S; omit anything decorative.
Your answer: {"hour": 12, "minute": 56, "second": 11}
